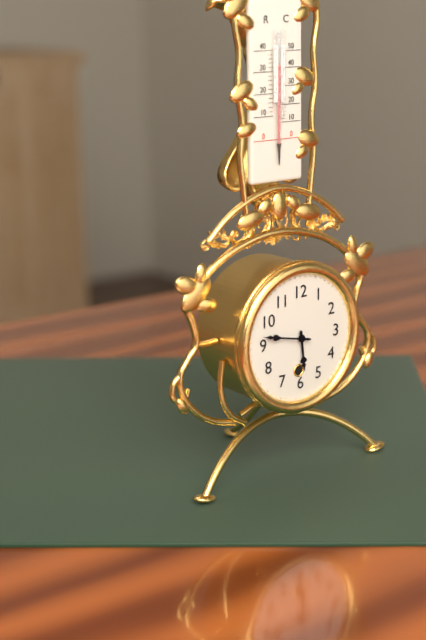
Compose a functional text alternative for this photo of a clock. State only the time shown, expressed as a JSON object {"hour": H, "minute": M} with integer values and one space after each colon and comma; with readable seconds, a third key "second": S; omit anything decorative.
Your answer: {"hour": 5, "minute": 47}
